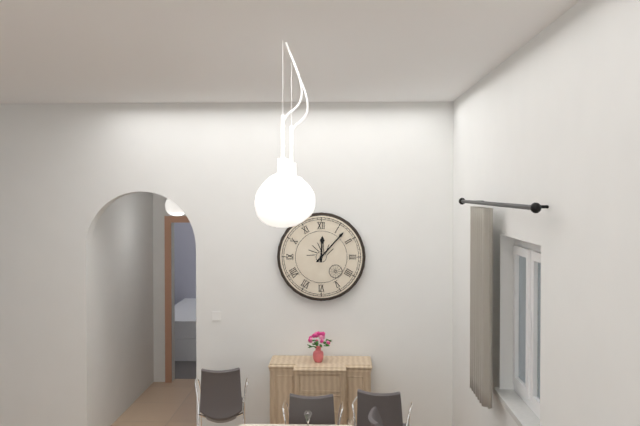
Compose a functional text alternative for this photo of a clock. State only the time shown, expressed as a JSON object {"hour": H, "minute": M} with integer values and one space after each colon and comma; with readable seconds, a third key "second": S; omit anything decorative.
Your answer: {"hour": 12, "minute": 7}
